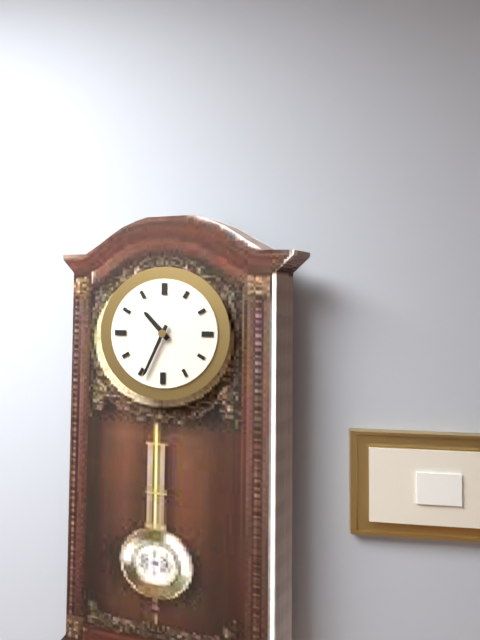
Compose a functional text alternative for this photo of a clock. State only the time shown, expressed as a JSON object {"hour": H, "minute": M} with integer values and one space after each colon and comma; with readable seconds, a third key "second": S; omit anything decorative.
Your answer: {"hour": 10, "minute": 34}
